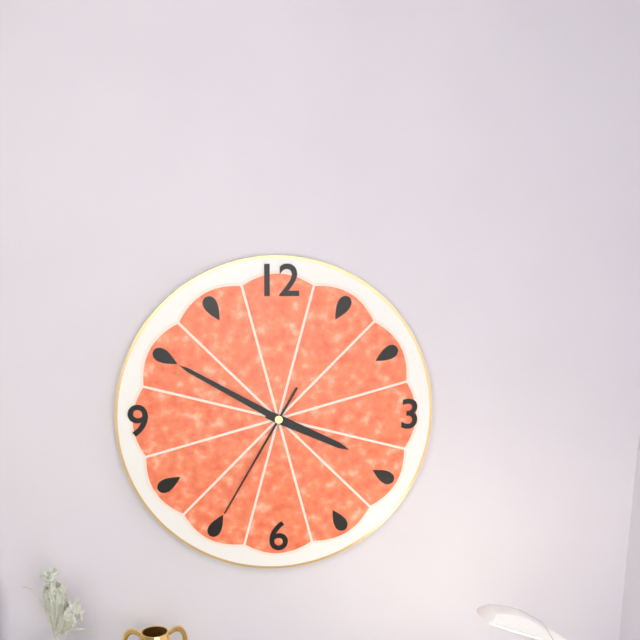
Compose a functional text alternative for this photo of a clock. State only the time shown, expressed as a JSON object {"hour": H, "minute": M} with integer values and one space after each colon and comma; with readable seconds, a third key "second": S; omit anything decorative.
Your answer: {"hour": 3, "minute": 50, "second": 35}
